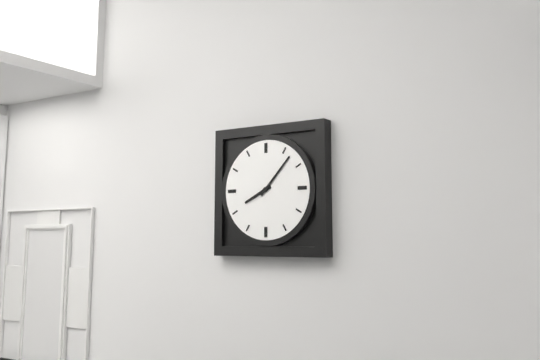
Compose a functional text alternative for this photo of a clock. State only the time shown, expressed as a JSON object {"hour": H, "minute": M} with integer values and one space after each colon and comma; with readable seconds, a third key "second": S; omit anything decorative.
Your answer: {"hour": 8, "minute": 7}
